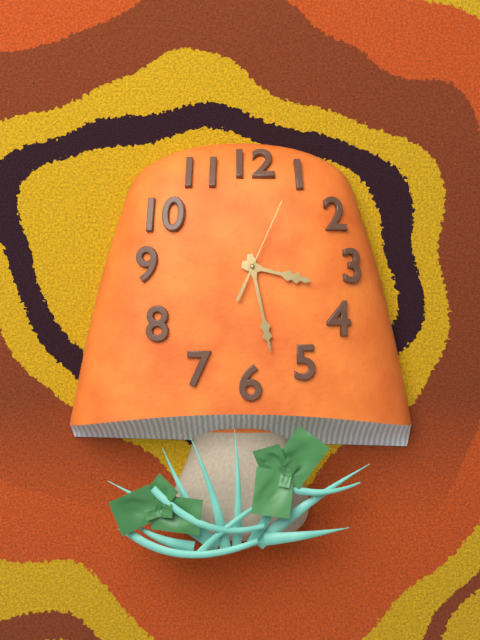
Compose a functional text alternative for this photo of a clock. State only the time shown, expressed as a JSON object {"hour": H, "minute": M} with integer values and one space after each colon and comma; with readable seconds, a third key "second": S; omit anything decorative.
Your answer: {"hour": 3, "minute": 28, "second": 4}
